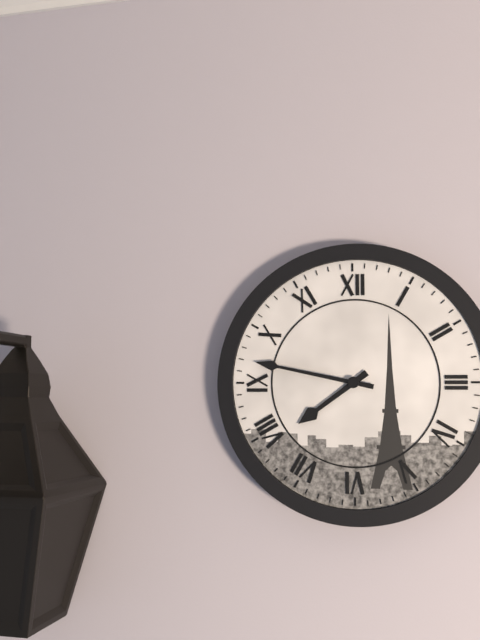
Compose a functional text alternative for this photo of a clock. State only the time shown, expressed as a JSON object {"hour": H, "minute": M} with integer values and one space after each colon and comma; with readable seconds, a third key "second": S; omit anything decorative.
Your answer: {"hour": 7, "minute": 47}
